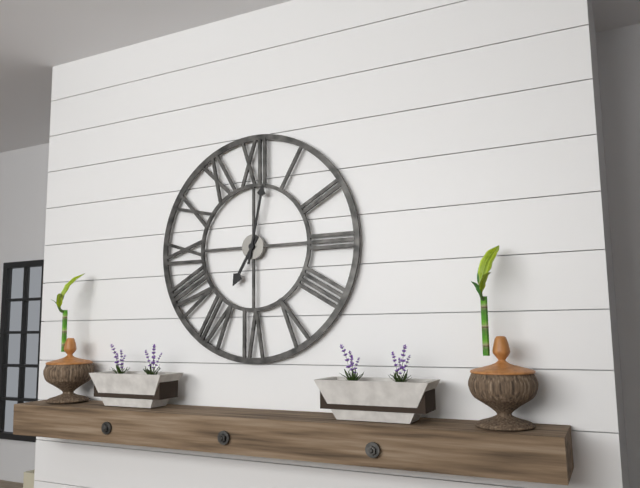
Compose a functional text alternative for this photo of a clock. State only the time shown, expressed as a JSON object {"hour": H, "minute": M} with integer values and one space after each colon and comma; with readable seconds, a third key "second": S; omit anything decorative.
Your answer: {"hour": 7, "minute": 2}
